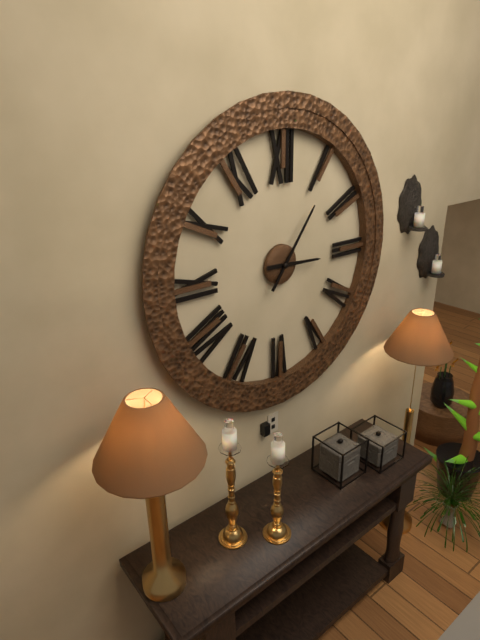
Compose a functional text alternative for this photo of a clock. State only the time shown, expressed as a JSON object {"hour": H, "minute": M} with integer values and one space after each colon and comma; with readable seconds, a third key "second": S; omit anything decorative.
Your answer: {"hour": 3, "minute": 6}
